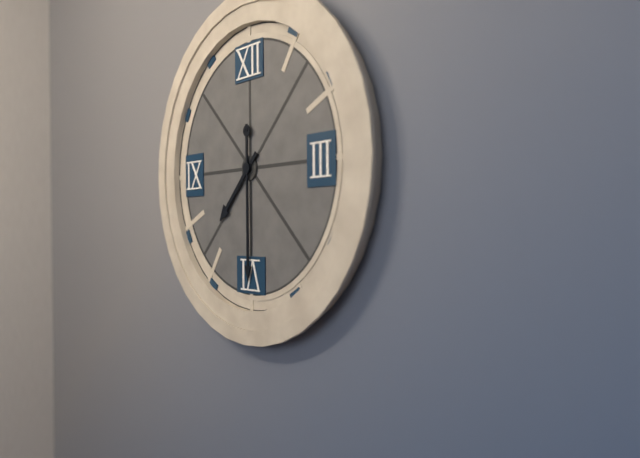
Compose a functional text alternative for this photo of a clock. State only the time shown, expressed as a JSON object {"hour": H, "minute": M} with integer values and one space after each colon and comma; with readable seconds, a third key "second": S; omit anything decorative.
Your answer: {"hour": 7, "minute": 30}
